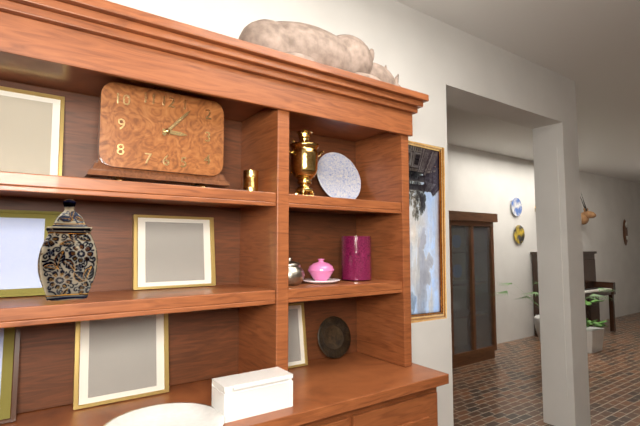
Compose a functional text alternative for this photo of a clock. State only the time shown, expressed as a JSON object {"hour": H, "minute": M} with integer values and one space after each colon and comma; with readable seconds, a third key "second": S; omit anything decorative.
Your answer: {"hour": 3, "minute": 7}
